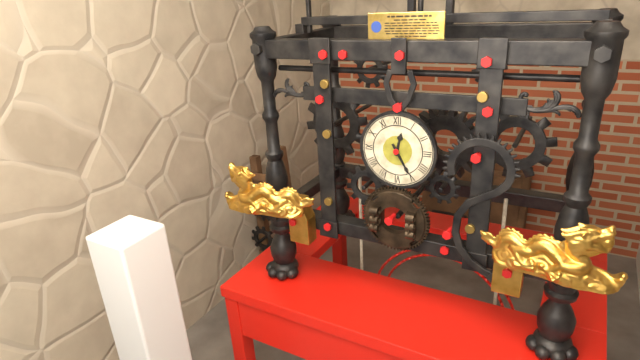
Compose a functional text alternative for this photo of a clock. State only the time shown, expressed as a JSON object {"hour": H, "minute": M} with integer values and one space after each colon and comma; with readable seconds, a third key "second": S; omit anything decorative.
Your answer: {"hour": 12, "minute": 25}
